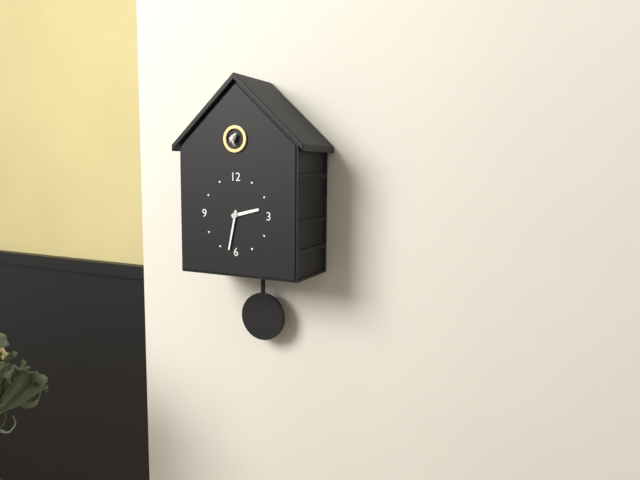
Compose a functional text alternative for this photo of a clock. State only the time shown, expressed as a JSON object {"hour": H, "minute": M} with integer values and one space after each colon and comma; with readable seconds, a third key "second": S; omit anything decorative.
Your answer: {"hour": 2, "minute": 32}
